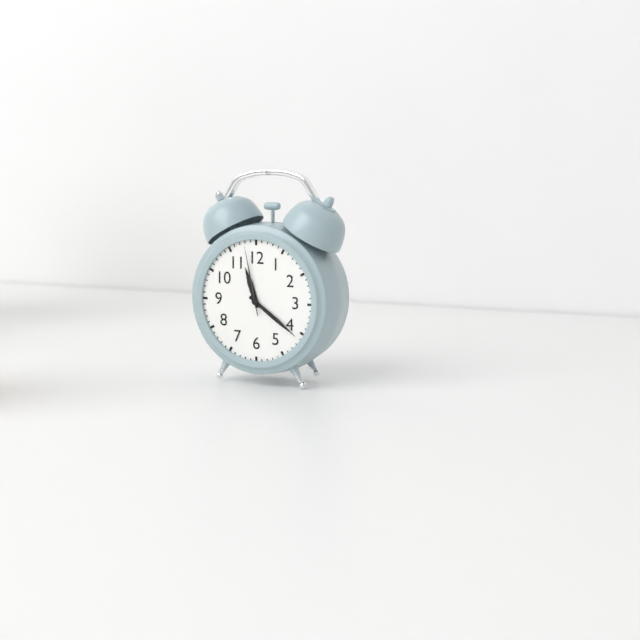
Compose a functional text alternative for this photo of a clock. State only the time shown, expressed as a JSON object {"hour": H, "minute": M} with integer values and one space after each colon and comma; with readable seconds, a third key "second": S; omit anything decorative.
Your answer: {"hour": 11, "minute": 21, "second": 58}
